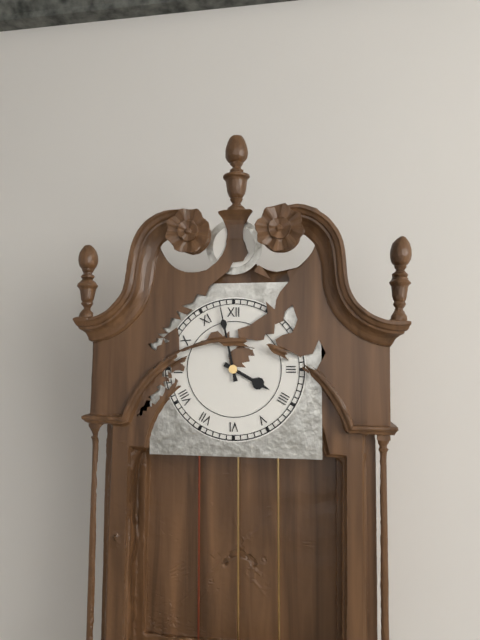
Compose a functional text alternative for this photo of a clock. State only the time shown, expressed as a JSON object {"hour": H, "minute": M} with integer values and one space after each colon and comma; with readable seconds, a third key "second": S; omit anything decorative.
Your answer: {"hour": 3, "minute": 58}
